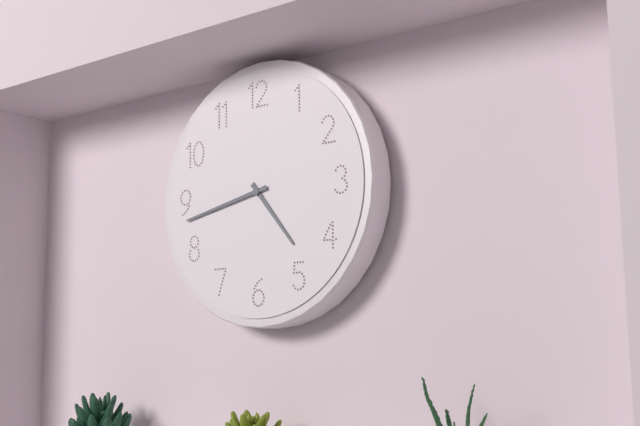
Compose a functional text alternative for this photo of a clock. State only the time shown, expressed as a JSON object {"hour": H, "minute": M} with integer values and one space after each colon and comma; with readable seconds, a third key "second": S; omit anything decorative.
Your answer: {"hour": 4, "minute": 43}
